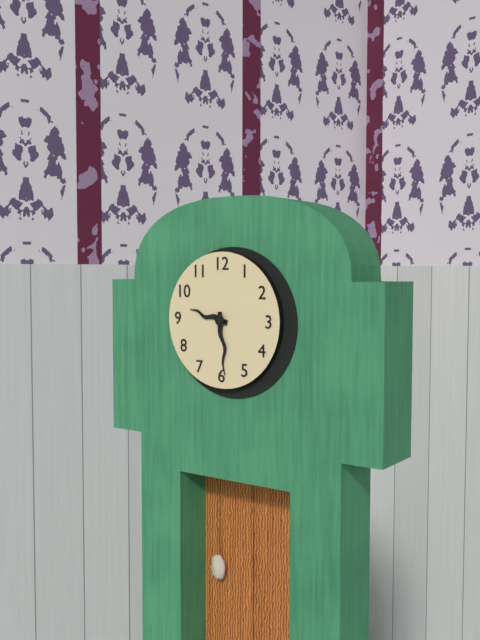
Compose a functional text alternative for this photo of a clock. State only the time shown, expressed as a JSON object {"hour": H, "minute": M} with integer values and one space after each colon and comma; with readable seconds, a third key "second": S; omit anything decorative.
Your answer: {"hour": 9, "minute": 29}
